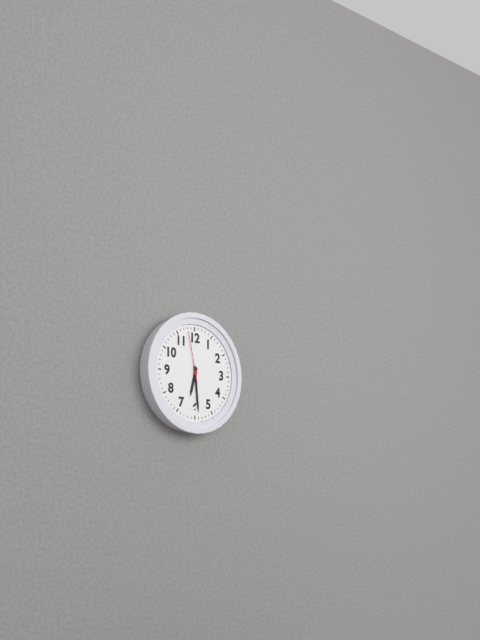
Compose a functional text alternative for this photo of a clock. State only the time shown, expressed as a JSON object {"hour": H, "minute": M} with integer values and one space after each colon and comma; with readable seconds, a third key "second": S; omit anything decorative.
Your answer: {"hour": 6, "minute": 29, "second": 58}
